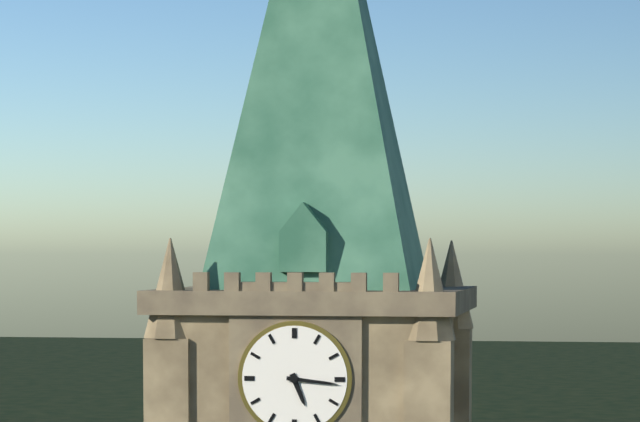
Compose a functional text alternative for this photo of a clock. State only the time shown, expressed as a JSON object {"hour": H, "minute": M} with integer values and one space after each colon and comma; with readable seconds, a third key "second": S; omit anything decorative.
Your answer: {"hour": 5, "minute": 16}
